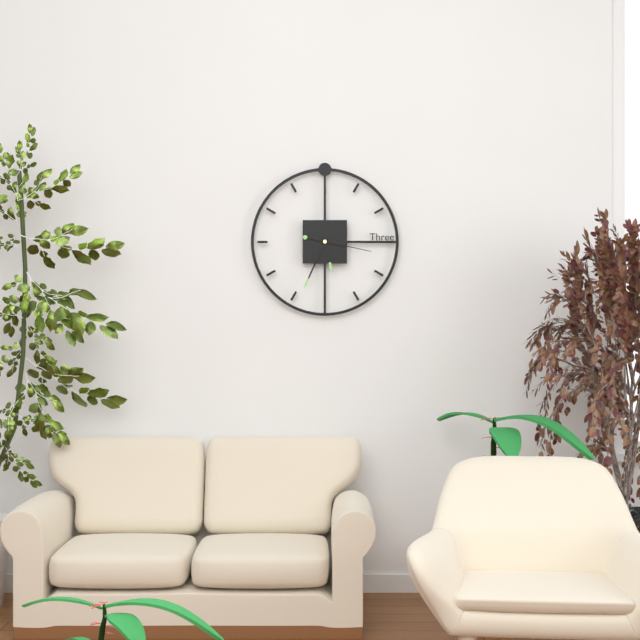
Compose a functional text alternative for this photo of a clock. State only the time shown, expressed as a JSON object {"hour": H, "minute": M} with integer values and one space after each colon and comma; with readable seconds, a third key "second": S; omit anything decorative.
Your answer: {"hour": 5, "minute": 34, "second": 17}
